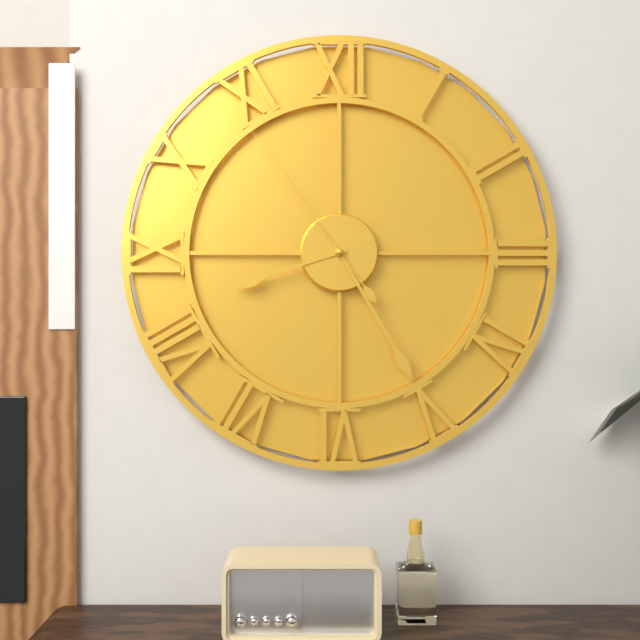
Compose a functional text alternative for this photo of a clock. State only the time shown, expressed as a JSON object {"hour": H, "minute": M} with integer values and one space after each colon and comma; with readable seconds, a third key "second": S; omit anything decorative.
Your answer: {"hour": 8, "minute": 25, "second": 54}
